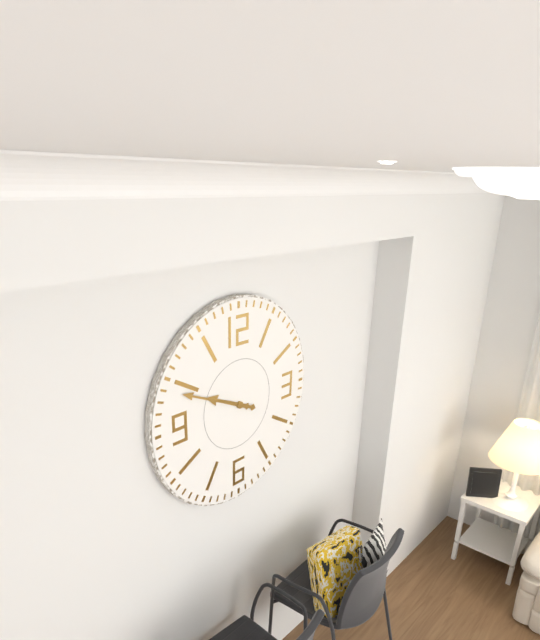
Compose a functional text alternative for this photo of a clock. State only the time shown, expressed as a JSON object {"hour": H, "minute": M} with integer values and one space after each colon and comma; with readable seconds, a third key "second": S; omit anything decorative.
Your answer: {"hour": 9, "minute": 49}
